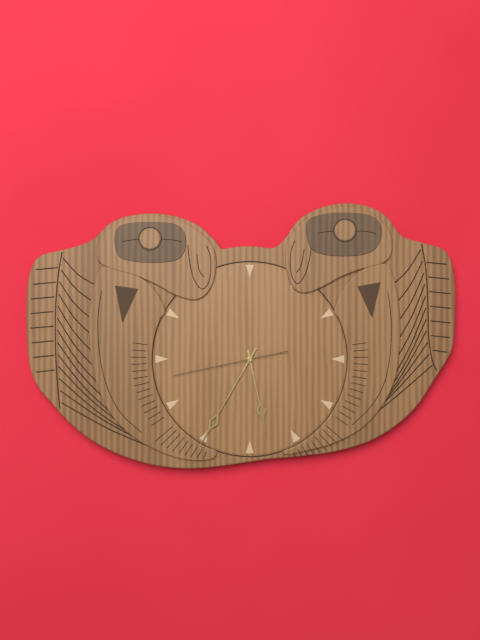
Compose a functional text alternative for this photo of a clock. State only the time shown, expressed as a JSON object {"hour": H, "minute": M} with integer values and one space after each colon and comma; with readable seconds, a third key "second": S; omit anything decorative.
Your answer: {"hour": 5, "minute": 35, "second": 43}
